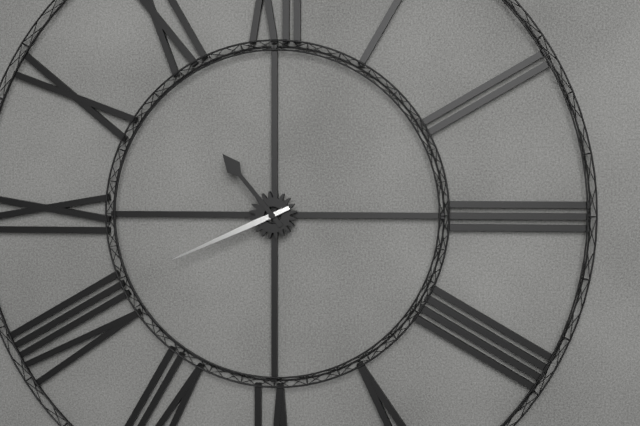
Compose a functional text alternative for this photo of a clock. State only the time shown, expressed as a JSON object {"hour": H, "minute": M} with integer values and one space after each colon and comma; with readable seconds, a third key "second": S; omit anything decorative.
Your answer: {"hour": 10, "minute": 41}
